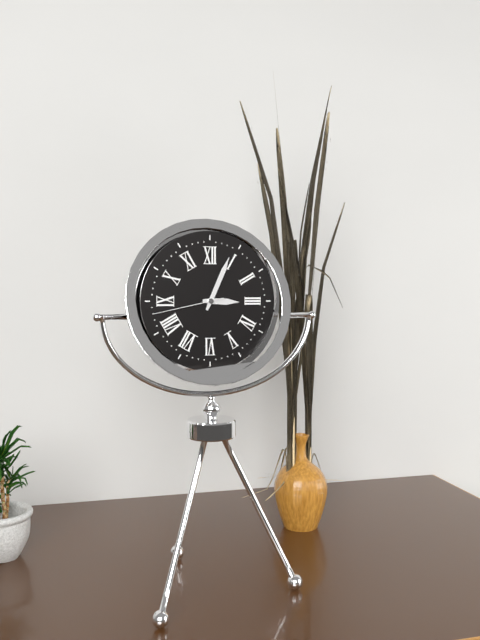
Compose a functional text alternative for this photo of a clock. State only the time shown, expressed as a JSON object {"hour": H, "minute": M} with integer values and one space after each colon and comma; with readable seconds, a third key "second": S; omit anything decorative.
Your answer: {"hour": 3, "minute": 4, "second": 43}
